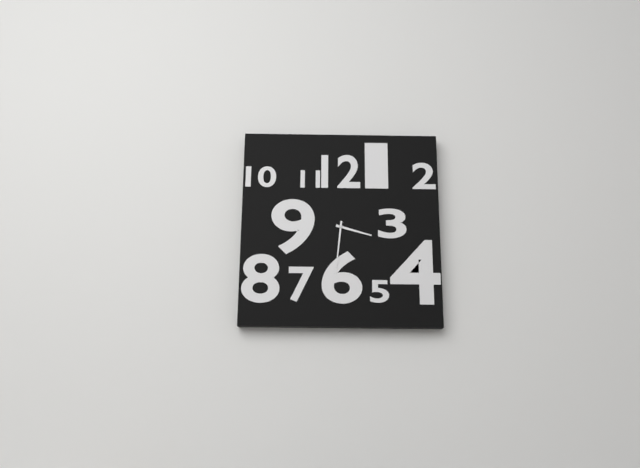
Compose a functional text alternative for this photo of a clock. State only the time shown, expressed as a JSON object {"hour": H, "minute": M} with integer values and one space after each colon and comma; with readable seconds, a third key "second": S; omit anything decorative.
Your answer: {"hour": 3, "minute": 31}
